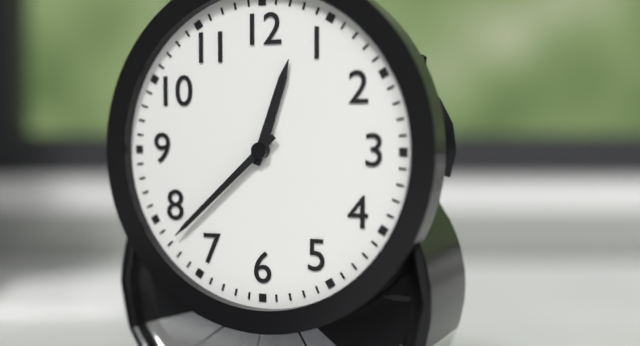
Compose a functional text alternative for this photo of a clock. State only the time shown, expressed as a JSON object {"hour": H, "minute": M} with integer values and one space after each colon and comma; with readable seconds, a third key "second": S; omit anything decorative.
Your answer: {"hour": 12, "minute": 38}
